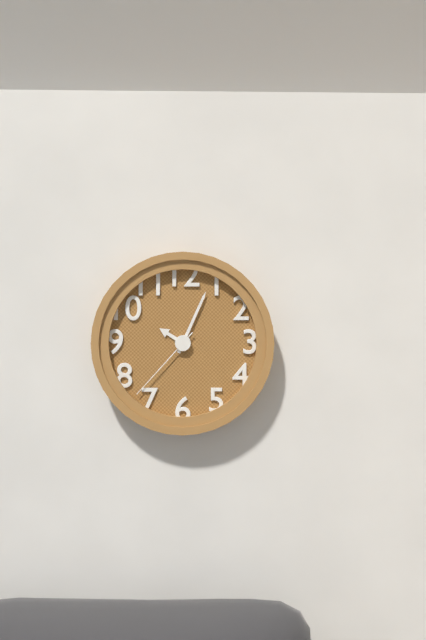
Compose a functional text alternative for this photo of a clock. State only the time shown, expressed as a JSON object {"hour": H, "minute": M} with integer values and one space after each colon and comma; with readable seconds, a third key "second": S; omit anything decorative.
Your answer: {"hour": 10, "minute": 4, "second": 37}
